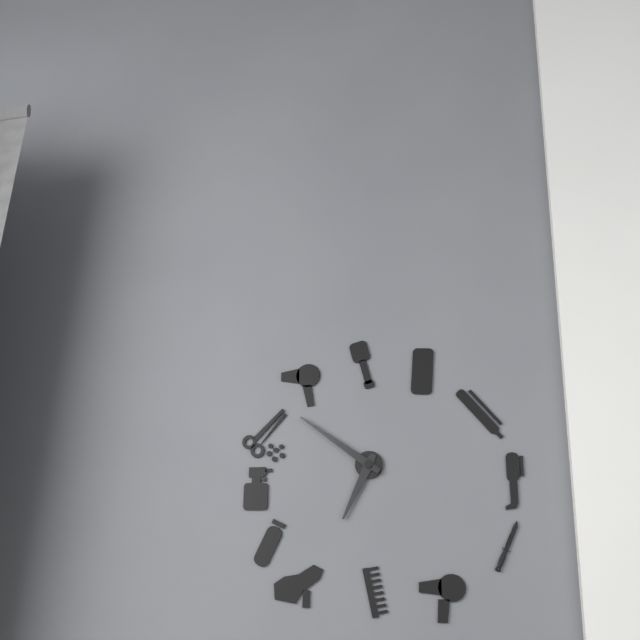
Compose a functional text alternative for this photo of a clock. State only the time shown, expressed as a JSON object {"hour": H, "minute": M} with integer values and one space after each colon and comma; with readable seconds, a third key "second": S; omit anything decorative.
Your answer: {"hour": 6, "minute": 51}
